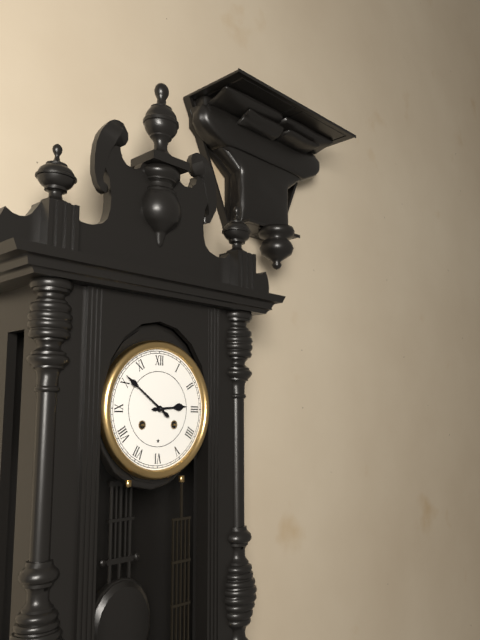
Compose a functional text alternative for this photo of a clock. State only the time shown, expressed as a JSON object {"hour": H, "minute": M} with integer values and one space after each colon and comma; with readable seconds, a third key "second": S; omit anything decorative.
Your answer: {"hour": 2, "minute": 51}
